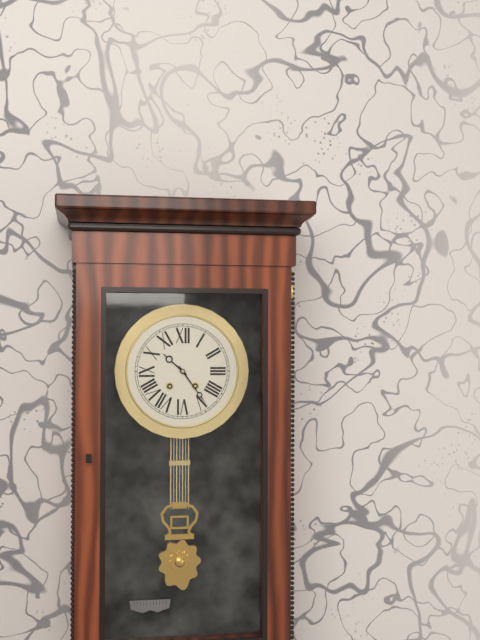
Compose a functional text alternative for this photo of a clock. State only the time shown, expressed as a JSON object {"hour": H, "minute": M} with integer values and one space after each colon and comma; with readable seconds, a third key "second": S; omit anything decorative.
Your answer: {"hour": 10, "minute": 24}
